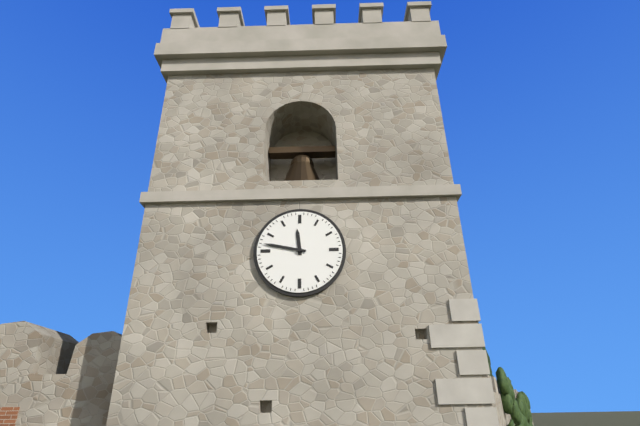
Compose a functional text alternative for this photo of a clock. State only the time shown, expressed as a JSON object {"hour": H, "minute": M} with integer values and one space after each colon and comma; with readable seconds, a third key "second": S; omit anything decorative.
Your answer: {"hour": 11, "minute": 47}
